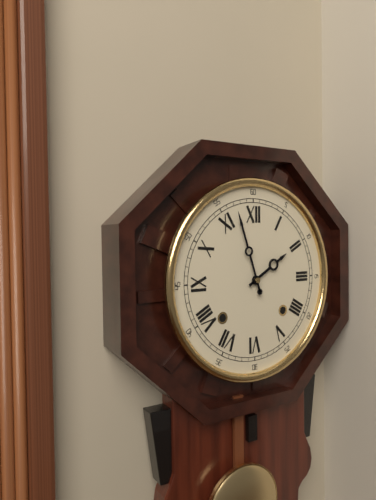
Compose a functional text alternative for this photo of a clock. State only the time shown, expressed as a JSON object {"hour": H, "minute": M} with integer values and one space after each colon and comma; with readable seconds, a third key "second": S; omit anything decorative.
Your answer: {"hour": 1, "minute": 57}
